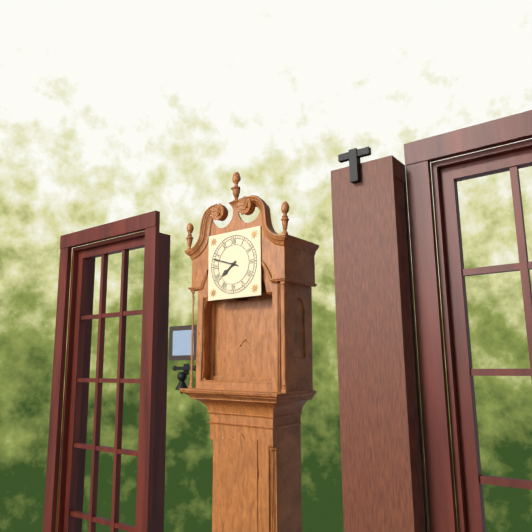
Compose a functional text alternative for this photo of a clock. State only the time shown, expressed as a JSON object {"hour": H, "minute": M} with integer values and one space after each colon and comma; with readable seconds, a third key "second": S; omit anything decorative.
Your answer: {"hour": 7, "minute": 48}
